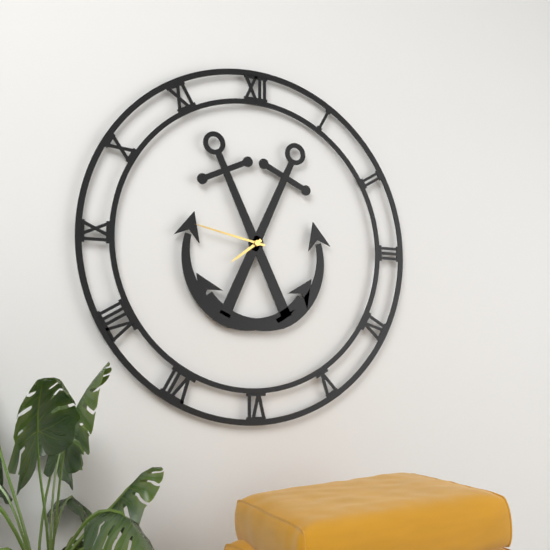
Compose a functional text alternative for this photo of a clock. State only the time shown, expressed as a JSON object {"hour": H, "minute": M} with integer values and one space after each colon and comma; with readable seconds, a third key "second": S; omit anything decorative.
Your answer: {"hour": 7, "minute": 47}
